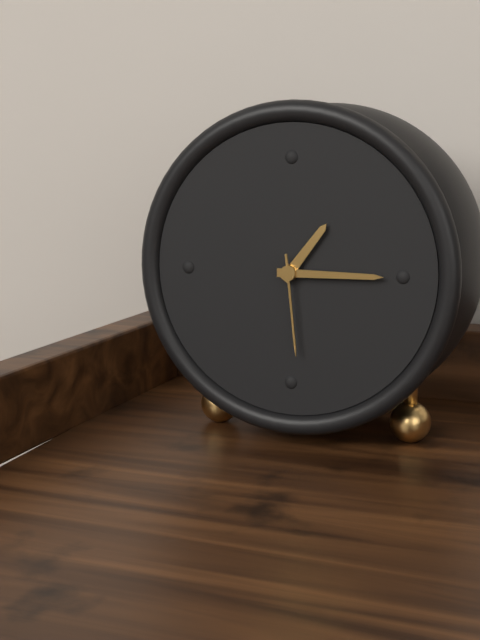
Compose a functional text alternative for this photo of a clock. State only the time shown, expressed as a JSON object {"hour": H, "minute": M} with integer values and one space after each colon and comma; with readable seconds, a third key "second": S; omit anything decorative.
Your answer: {"hour": 1, "minute": 15, "second": 29}
